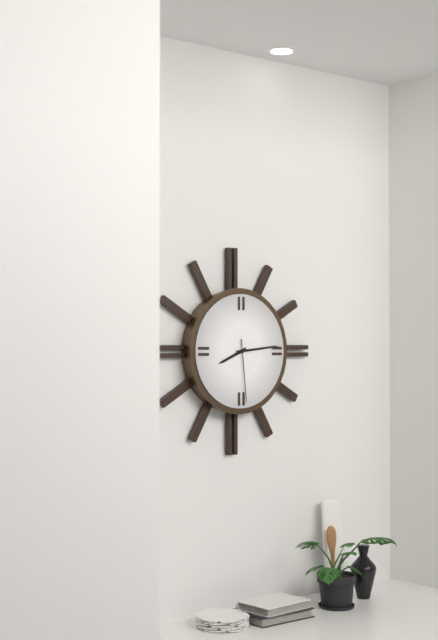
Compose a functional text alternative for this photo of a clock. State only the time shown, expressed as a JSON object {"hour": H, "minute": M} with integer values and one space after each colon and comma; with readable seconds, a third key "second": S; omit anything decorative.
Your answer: {"hour": 8, "minute": 14, "second": 29}
